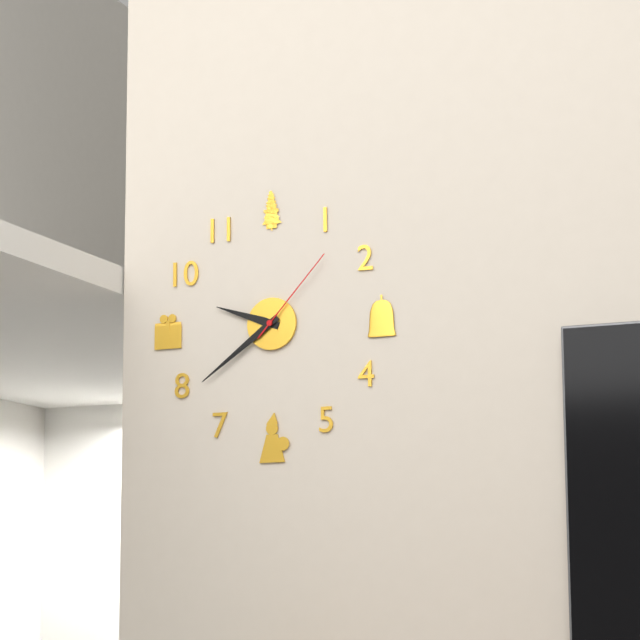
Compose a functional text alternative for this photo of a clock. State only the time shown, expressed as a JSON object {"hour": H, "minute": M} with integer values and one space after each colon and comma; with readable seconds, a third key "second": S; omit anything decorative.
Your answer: {"hour": 9, "minute": 39, "second": 7}
